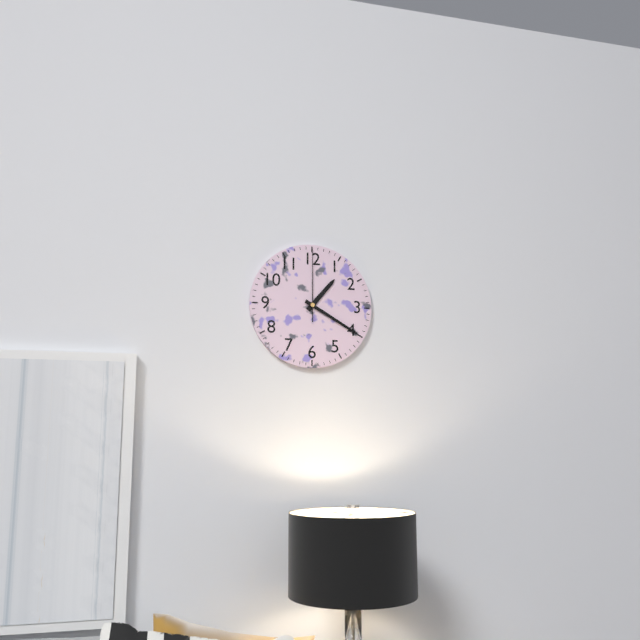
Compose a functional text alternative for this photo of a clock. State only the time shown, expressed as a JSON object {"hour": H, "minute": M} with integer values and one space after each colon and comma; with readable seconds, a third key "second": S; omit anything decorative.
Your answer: {"hour": 1, "minute": 20, "second": 0}
